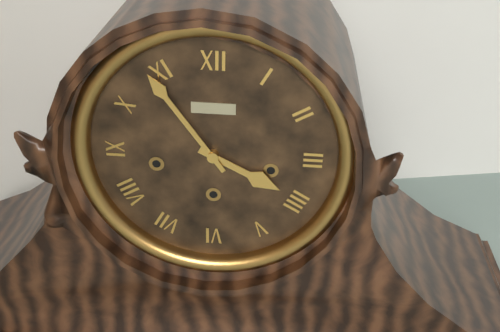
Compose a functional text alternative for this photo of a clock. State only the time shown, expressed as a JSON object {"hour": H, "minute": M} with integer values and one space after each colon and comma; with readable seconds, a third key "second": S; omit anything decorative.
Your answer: {"hour": 3, "minute": 54}
